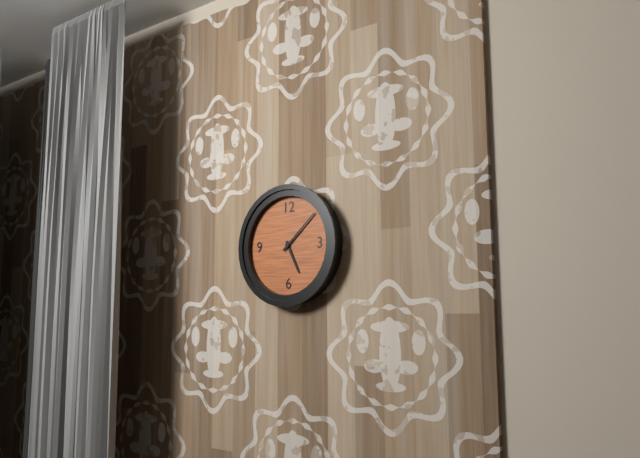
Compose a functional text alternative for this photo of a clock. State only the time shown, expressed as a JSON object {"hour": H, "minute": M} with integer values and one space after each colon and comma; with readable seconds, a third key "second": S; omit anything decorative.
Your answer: {"hour": 5, "minute": 8}
